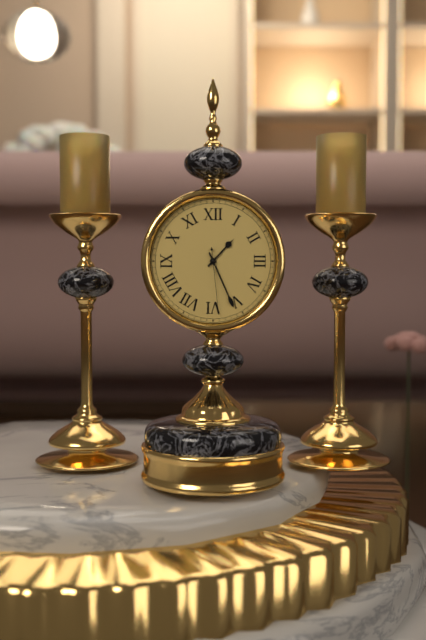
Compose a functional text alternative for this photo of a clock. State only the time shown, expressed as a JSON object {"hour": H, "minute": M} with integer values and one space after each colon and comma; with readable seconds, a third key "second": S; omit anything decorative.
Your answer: {"hour": 1, "minute": 26, "second": 29}
